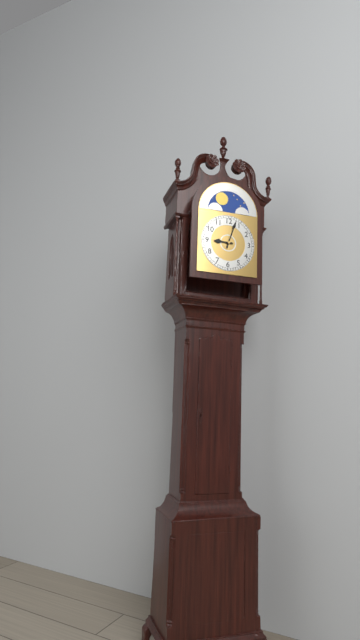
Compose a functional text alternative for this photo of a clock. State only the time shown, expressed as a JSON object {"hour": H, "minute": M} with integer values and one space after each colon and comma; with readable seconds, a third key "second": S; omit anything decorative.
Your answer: {"hour": 9, "minute": 3}
